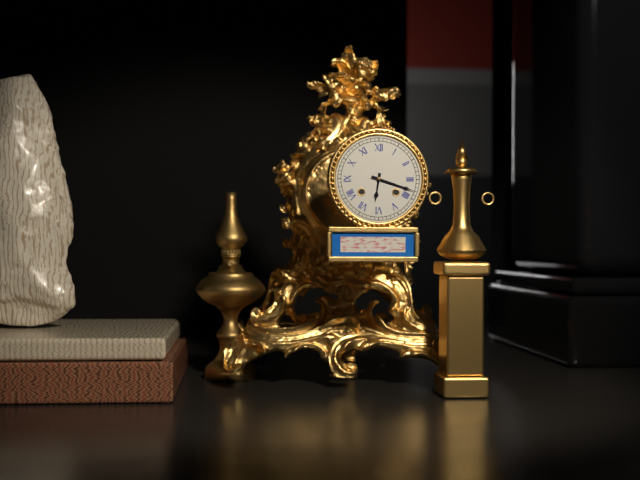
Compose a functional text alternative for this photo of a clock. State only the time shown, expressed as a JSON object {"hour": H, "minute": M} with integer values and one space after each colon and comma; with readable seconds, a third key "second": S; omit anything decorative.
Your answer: {"hour": 6, "minute": 18}
